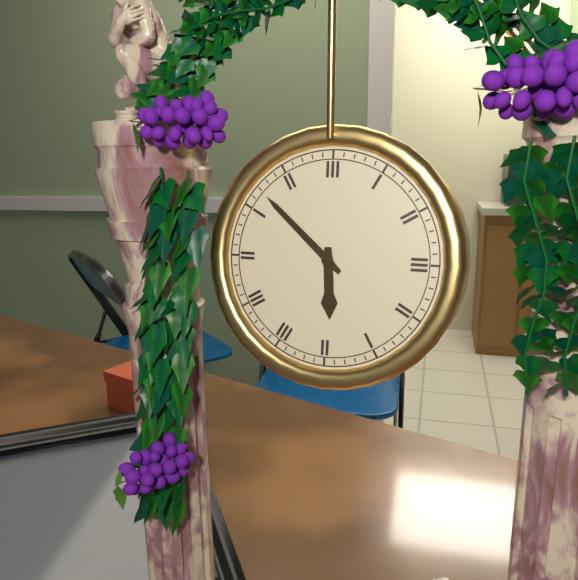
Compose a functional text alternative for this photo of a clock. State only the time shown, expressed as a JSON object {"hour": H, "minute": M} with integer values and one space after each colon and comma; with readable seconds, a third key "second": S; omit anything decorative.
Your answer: {"hour": 5, "minute": 52}
